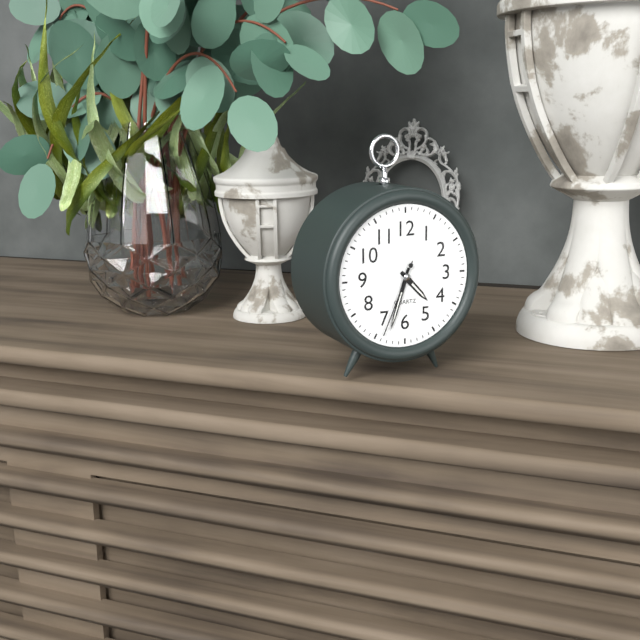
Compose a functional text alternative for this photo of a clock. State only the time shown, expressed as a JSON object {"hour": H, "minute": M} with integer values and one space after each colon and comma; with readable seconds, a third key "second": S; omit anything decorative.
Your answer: {"hour": 4, "minute": 33, "second": 34}
